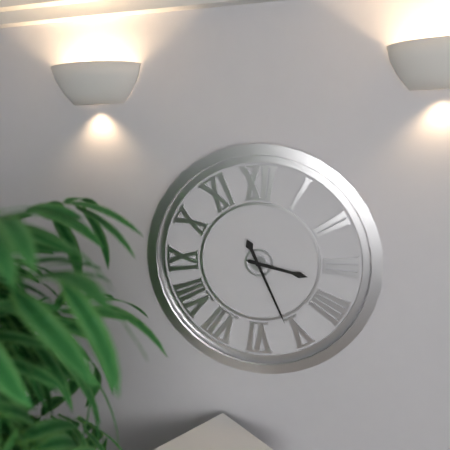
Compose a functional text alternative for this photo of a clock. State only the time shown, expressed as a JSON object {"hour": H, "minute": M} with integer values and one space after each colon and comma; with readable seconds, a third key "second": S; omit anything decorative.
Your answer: {"hour": 3, "minute": 26}
